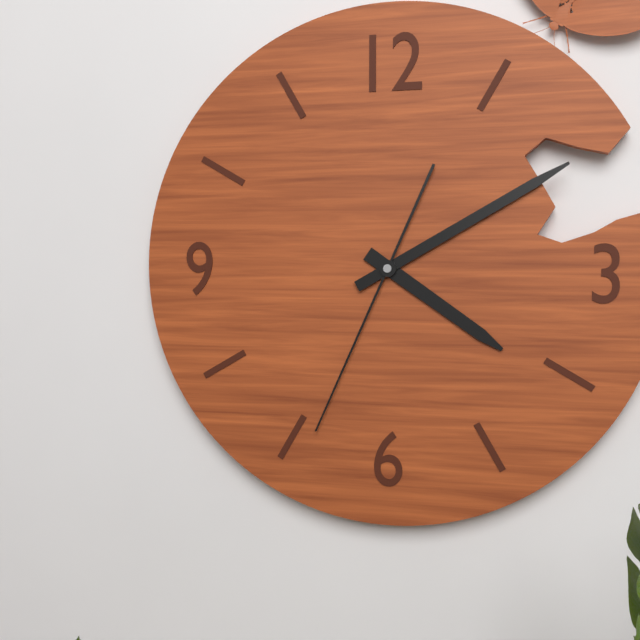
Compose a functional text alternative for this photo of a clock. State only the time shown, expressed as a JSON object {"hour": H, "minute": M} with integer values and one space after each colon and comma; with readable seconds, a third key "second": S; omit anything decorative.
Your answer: {"hour": 4, "minute": 10, "second": 34}
